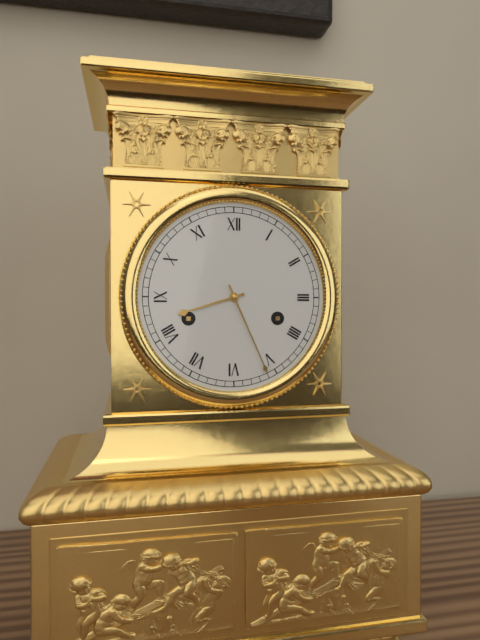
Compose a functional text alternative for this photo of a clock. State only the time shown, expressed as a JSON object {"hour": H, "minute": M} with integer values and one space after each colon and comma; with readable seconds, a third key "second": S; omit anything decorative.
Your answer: {"hour": 8, "minute": 26}
